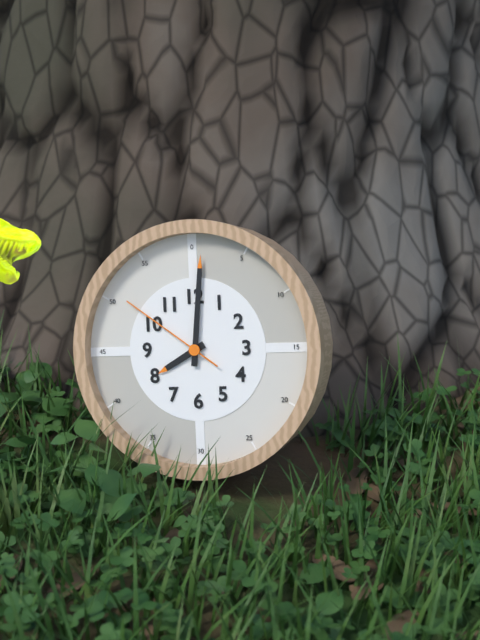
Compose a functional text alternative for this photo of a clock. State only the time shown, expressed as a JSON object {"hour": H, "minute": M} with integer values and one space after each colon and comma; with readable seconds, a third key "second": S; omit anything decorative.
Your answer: {"hour": 8, "minute": 1, "second": 51}
